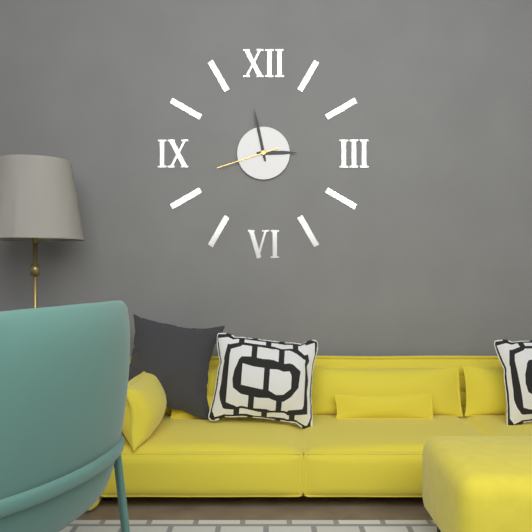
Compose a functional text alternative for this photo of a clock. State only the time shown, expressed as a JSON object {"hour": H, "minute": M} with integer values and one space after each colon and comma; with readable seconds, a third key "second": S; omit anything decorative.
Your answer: {"hour": 2, "minute": 58, "second": 42}
